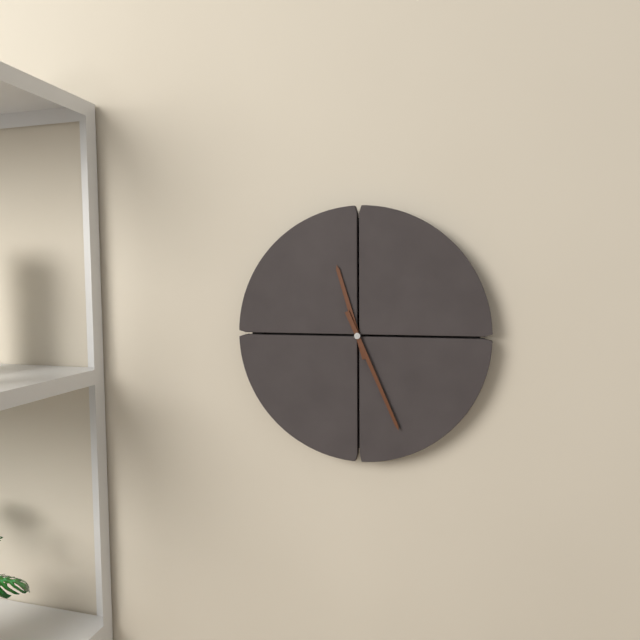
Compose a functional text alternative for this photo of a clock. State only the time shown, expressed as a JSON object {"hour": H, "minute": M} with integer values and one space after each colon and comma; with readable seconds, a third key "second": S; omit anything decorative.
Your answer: {"hour": 11, "minute": 26}
